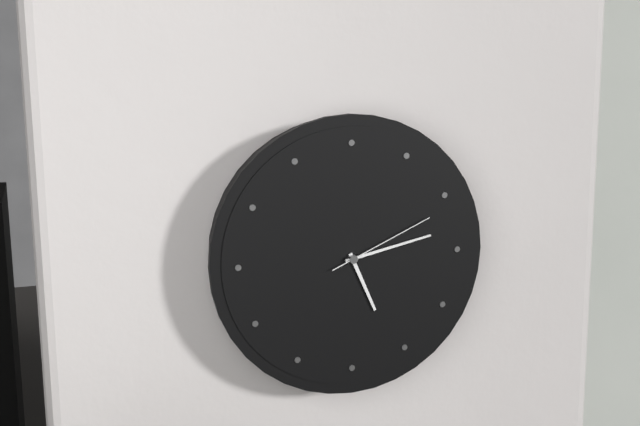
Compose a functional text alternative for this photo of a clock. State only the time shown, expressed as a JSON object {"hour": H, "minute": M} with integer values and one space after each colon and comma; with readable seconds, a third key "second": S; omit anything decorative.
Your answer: {"hour": 5, "minute": 13, "second": 11}
